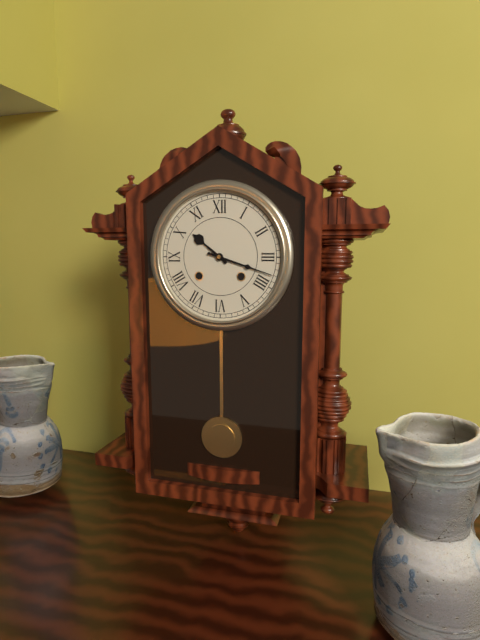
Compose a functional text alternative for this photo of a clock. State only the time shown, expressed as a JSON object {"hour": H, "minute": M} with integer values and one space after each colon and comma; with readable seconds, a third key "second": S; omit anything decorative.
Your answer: {"hour": 10, "minute": 18}
